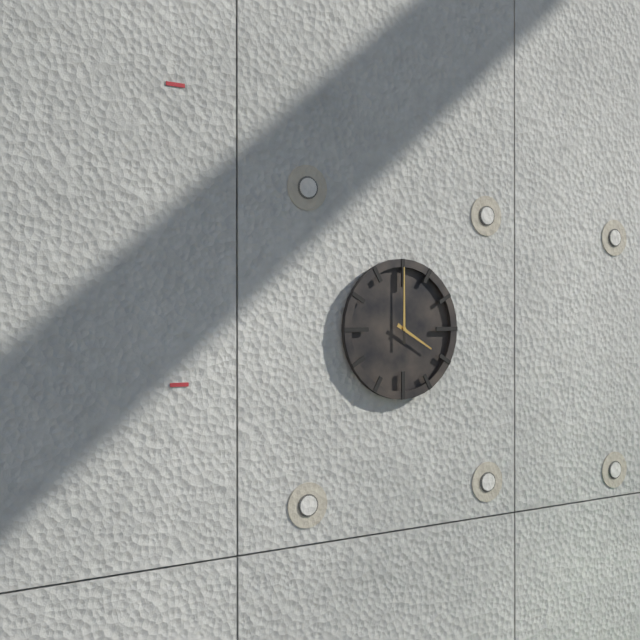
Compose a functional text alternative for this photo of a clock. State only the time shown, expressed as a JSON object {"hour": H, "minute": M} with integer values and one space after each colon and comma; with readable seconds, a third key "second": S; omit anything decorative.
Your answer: {"hour": 4, "minute": 0}
